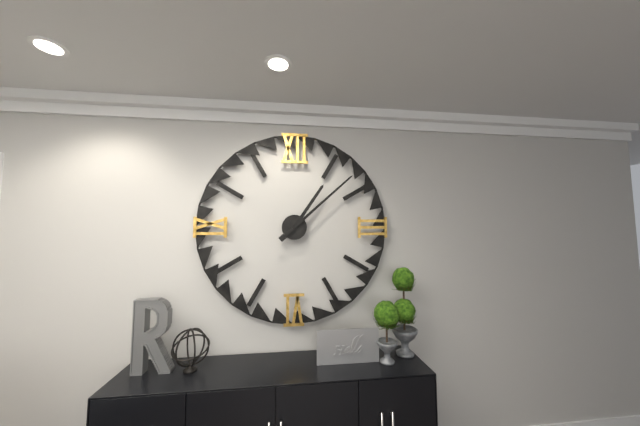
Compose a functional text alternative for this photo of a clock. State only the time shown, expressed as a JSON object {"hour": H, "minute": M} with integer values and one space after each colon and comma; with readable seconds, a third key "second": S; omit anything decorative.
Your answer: {"hour": 1, "minute": 8}
